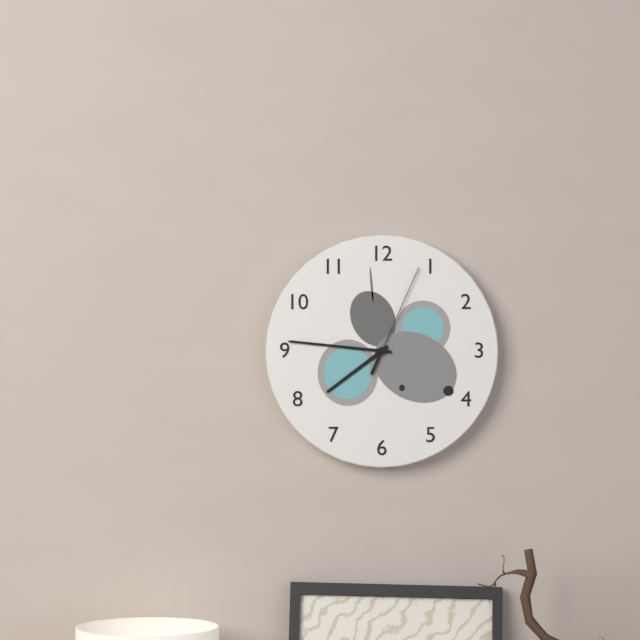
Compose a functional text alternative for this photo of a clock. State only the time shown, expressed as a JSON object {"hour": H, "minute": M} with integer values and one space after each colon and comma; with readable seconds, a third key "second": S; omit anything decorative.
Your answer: {"hour": 7, "minute": 46, "second": 4}
